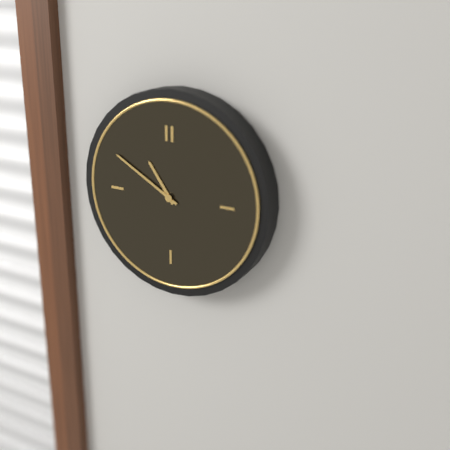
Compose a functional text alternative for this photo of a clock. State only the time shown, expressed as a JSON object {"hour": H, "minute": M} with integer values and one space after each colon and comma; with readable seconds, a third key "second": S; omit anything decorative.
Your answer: {"hour": 10, "minute": 50}
